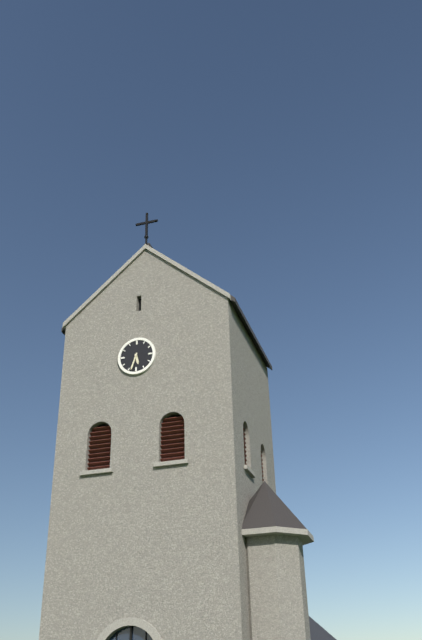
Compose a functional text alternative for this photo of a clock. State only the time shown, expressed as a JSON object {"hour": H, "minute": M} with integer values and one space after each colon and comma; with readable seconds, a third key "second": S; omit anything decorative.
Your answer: {"hour": 5, "minute": 33}
